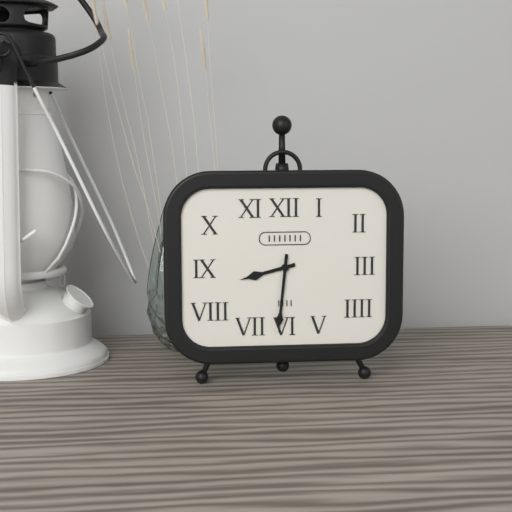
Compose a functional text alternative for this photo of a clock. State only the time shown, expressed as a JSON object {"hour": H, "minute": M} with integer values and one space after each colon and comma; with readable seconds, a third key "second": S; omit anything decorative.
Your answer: {"hour": 8, "minute": 31}
